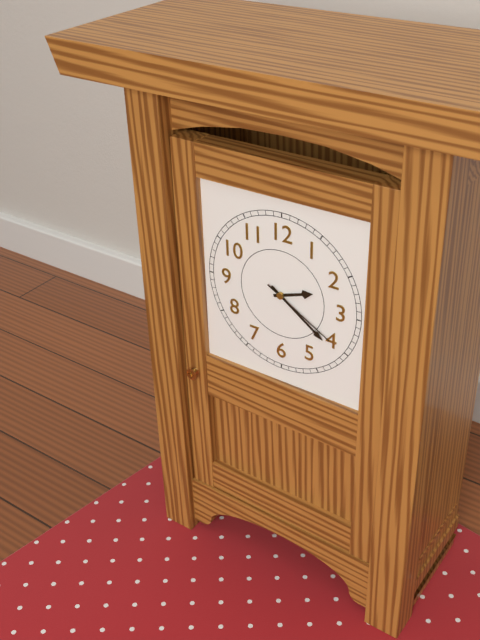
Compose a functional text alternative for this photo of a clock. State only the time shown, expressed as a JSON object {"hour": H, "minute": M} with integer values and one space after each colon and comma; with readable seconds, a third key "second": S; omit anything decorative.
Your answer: {"hour": 2, "minute": 21, "second": 20}
